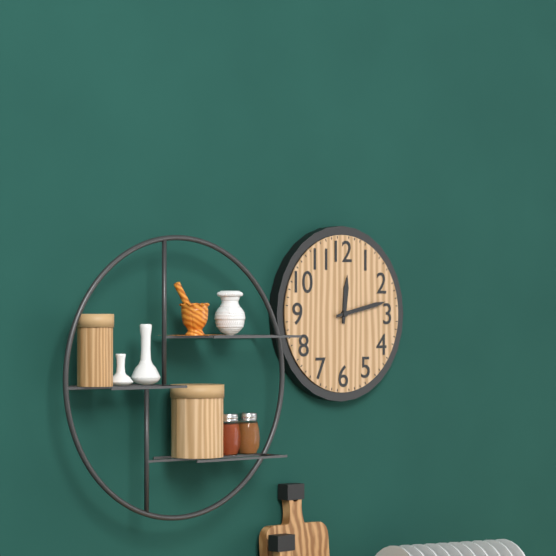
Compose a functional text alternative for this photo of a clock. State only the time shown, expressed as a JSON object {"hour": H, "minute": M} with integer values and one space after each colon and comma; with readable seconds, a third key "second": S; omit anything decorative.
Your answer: {"hour": 12, "minute": 13}
